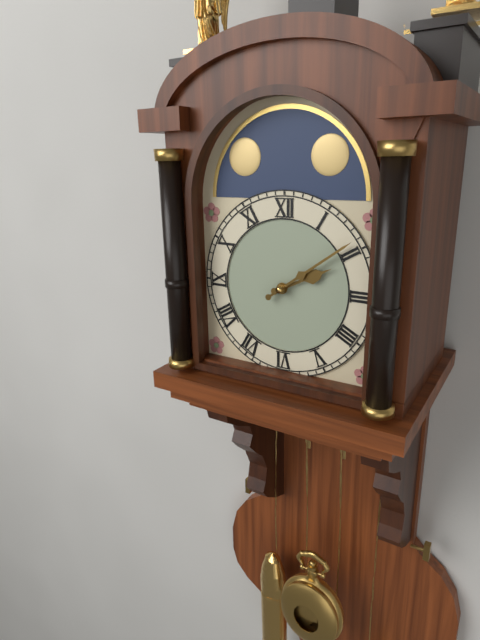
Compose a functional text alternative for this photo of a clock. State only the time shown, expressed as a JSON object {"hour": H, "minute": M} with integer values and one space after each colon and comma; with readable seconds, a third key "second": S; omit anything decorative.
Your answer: {"hour": 2, "minute": 9}
